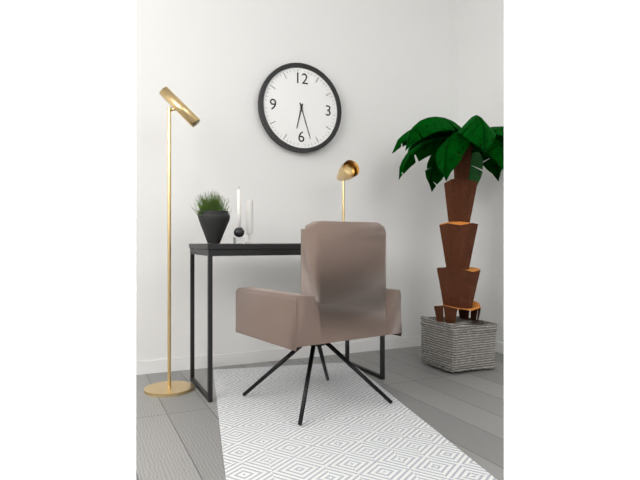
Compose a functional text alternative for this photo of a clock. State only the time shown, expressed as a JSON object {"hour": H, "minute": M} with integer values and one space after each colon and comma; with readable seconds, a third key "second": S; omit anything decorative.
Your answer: {"hour": 6, "minute": 27}
